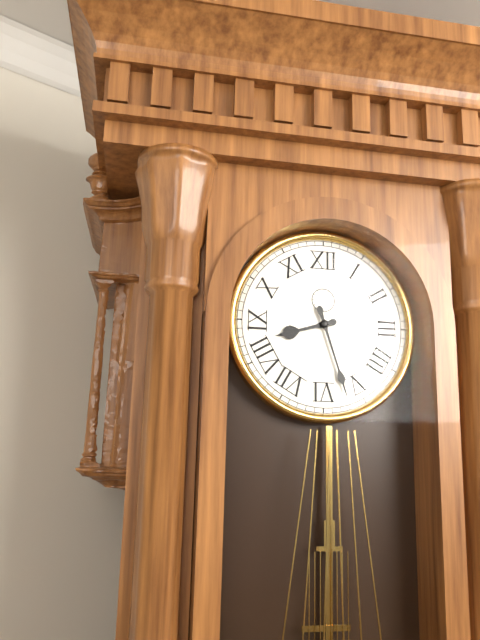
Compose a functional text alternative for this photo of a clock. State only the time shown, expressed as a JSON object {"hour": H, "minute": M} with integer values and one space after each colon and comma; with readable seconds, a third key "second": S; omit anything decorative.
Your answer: {"hour": 8, "minute": 27}
